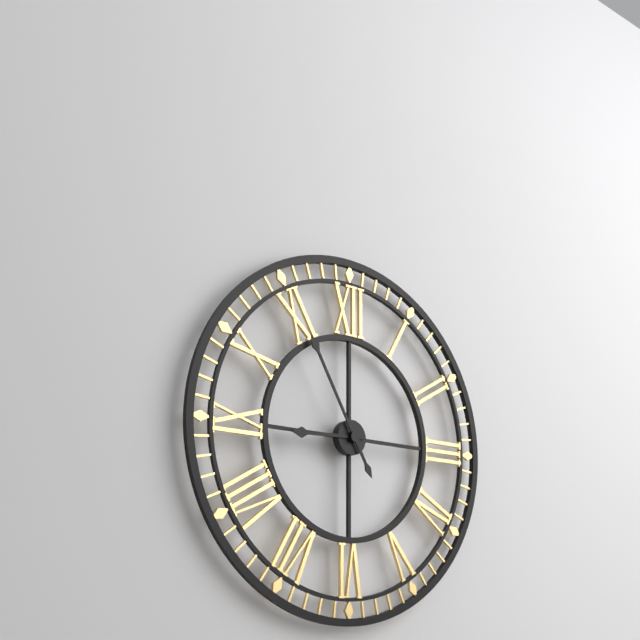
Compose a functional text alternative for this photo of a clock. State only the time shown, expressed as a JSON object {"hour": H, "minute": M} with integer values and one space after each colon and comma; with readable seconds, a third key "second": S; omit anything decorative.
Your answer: {"hour": 8, "minute": 55}
